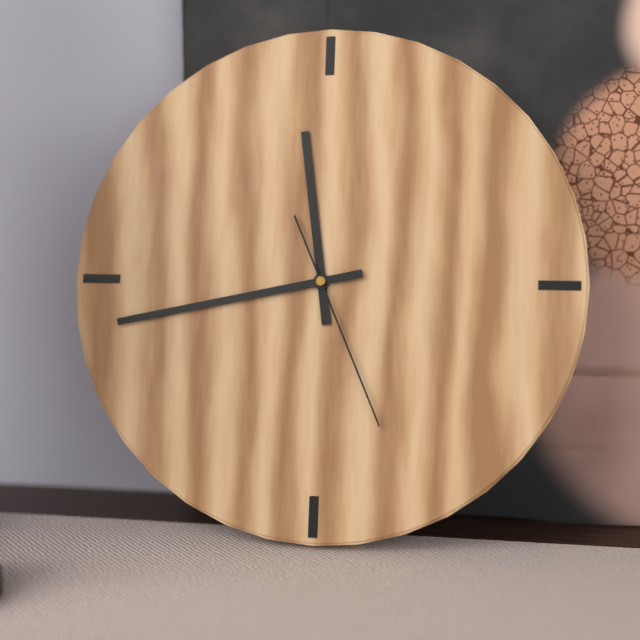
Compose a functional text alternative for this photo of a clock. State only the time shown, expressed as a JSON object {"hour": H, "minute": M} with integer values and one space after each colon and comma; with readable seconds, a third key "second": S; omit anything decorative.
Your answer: {"hour": 11, "minute": 43, "second": 26}
